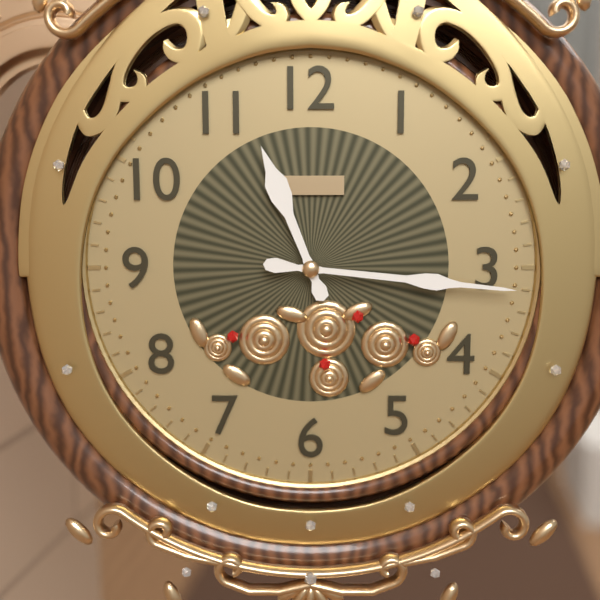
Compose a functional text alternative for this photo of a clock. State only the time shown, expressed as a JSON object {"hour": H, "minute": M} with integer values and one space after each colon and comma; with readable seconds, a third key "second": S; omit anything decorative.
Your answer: {"hour": 11, "minute": 16}
